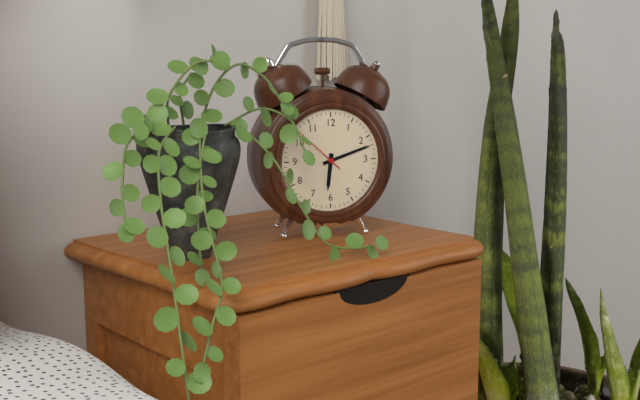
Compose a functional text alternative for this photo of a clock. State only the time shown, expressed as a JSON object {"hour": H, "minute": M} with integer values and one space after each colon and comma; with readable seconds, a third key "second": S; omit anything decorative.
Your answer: {"hour": 6, "minute": 12, "second": 52}
